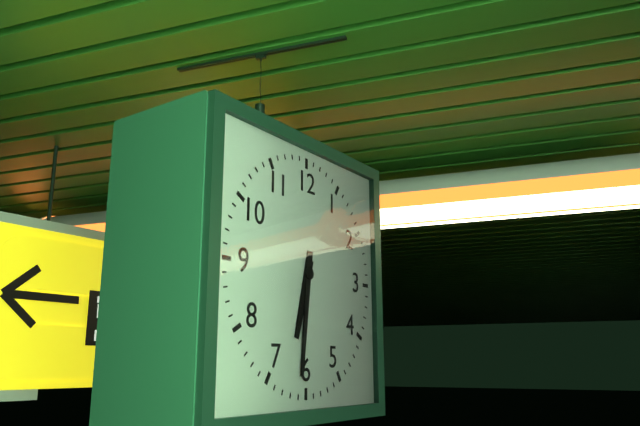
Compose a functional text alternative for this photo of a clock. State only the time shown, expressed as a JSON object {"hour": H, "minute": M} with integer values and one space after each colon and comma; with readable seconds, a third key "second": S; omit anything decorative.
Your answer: {"hour": 6, "minute": 31}
